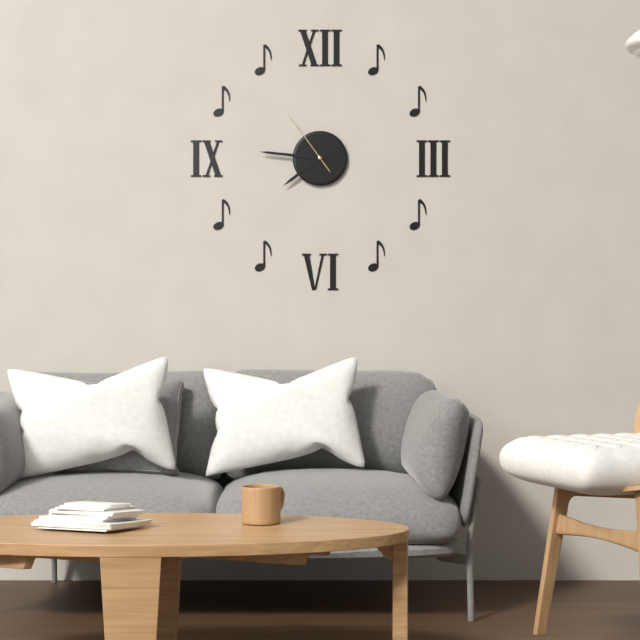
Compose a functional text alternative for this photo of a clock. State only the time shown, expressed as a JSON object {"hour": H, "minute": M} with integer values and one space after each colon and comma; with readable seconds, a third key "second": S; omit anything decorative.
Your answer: {"hour": 7, "minute": 46, "second": 54}
